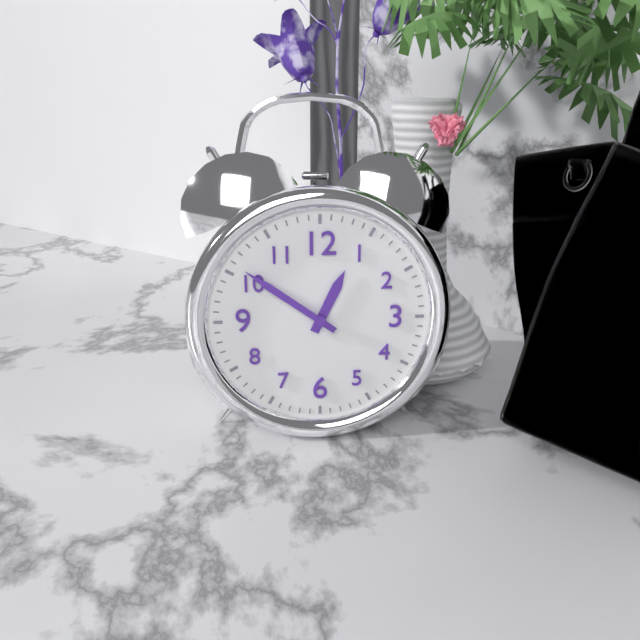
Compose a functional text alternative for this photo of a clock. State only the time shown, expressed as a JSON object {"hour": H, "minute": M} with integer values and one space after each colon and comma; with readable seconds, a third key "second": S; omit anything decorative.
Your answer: {"hour": 12, "minute": 51}
